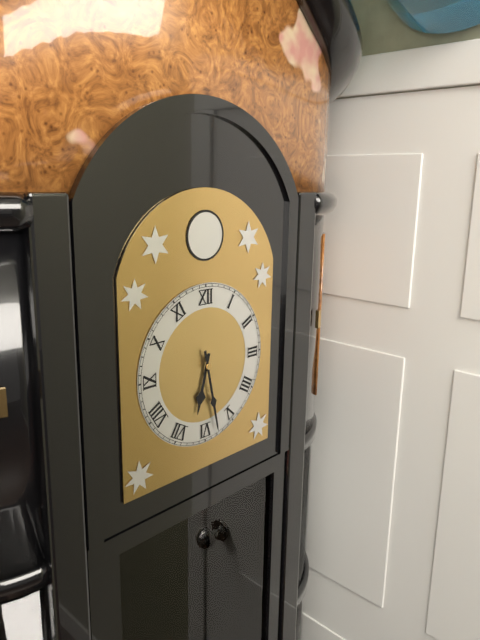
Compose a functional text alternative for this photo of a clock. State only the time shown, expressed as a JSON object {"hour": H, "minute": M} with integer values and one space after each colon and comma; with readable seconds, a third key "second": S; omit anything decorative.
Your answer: {"hour": 6, "minute": 28}
